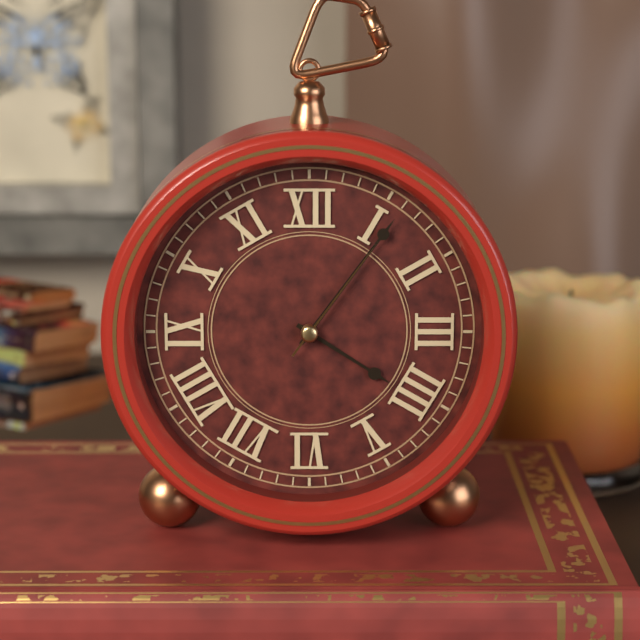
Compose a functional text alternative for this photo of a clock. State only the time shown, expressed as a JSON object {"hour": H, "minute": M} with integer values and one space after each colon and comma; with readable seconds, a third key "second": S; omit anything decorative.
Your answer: {"hour": 4, "minute": 6, "second": 6}
